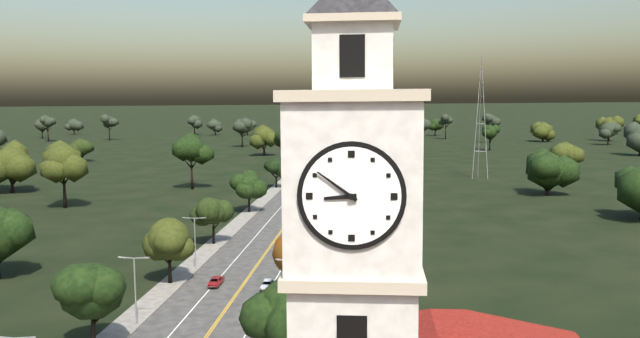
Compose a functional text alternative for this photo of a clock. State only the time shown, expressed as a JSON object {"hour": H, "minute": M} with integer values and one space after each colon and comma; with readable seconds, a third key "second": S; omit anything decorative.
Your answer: {"hour": 8, "minute": 51}
